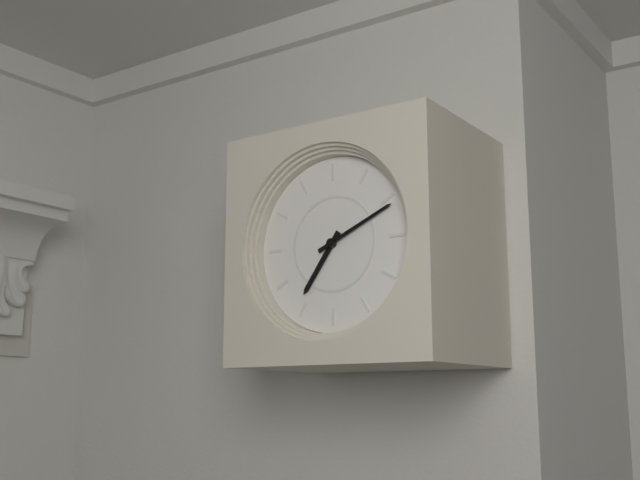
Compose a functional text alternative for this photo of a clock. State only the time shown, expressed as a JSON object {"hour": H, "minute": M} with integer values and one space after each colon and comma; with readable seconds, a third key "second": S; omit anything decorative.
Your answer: {"hour": 7, "minute": 11}
